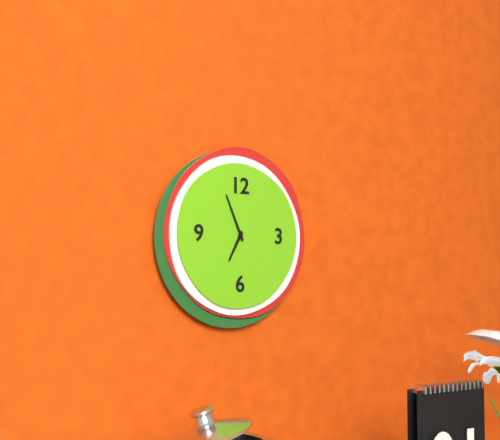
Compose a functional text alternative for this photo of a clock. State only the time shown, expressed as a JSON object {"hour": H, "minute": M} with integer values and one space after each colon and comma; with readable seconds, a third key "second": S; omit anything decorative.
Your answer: {"hour": 6, "minute": 56}
